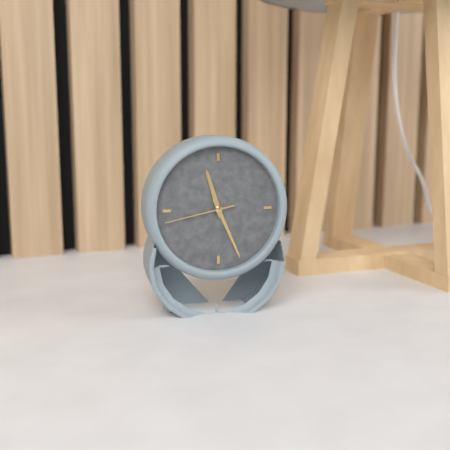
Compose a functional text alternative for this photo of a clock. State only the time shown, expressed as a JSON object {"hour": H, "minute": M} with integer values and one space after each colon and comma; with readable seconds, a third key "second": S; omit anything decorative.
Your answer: {"hour": 11, "minute": 26, "second": 43}
